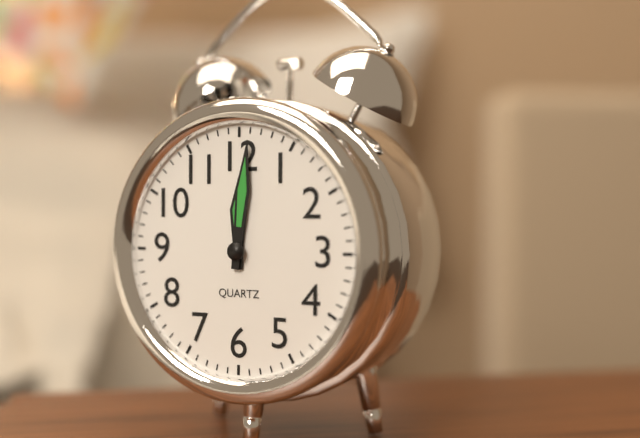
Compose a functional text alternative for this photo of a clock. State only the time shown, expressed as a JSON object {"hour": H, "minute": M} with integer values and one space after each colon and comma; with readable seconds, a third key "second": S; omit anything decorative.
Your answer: {"hour": 12, "minute": 1}
